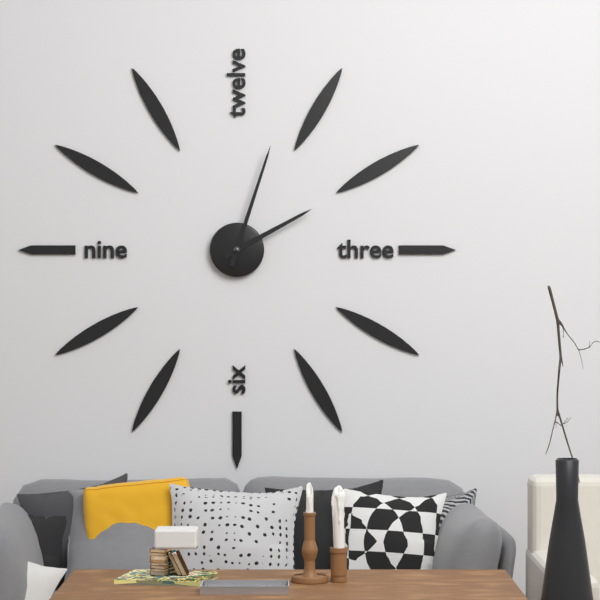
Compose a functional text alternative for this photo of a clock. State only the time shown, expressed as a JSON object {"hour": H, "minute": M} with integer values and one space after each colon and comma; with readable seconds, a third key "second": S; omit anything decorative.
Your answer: {"hour": 2, "minute": 3}
